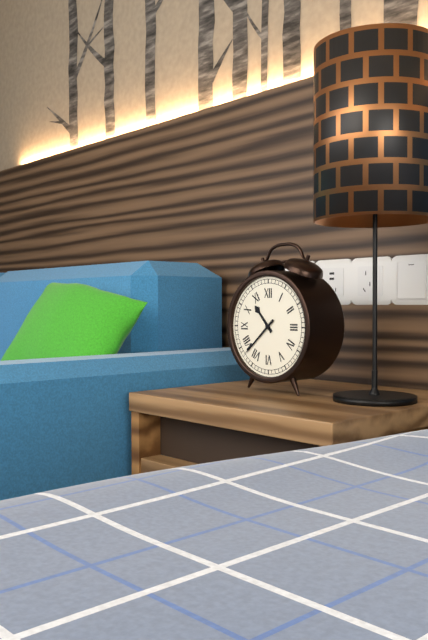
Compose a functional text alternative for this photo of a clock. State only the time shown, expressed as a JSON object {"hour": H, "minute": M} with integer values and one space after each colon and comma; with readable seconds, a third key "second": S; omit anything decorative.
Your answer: {"hour": 10, "minute": 38}
